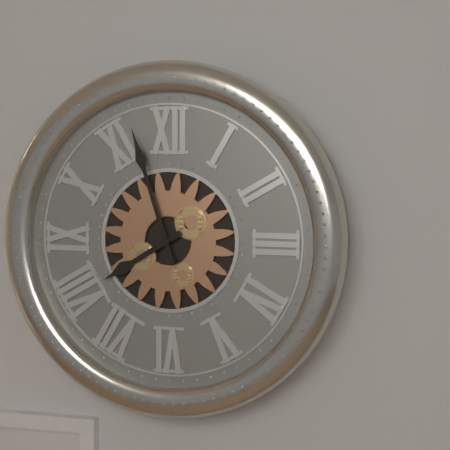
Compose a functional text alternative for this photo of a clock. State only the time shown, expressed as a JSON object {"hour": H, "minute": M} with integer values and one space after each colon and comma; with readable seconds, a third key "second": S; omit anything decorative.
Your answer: {"hour": 7, "minute": 57}
